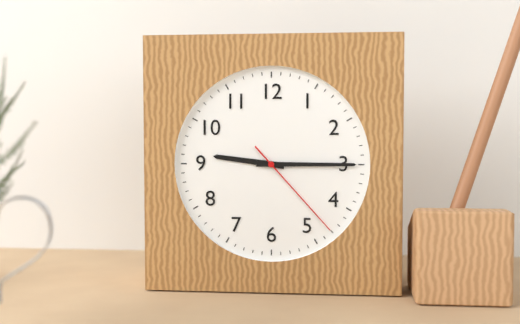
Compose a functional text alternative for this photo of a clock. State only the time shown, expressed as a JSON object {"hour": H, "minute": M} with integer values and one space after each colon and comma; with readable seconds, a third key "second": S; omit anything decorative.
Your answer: {"hour": 9, "minute": 15, "second": 23}
